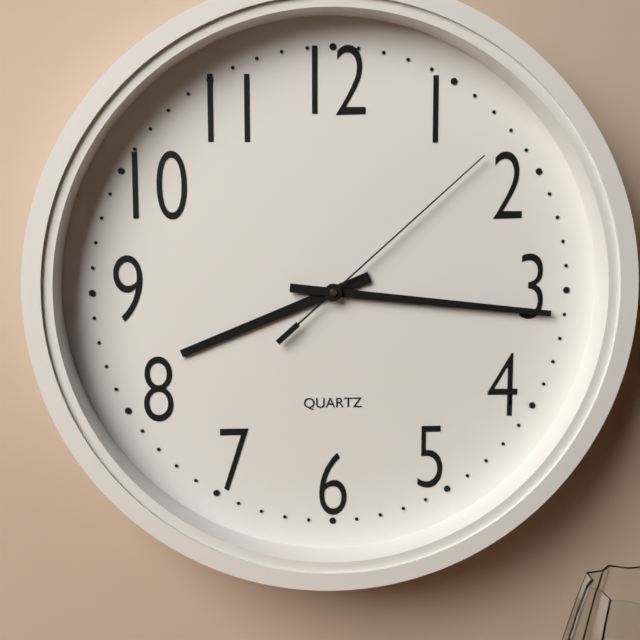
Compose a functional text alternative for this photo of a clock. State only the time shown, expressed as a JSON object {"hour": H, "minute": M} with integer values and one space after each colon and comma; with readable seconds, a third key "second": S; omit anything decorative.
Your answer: {"hour": 8, "minute": 16, "second": 8}
